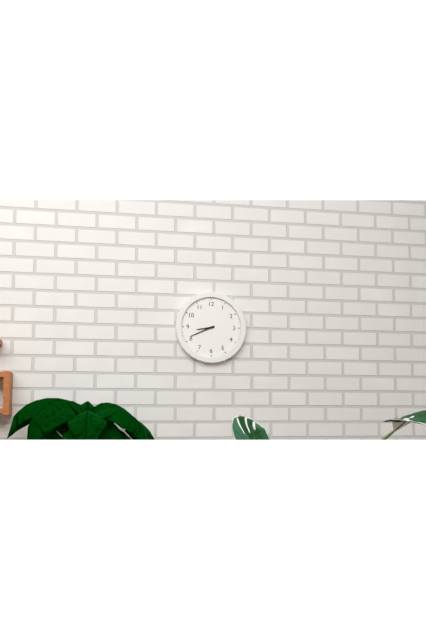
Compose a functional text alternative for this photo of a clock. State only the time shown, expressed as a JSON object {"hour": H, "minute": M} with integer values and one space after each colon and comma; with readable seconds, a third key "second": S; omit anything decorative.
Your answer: {"hour": 8, "minute": 41}
